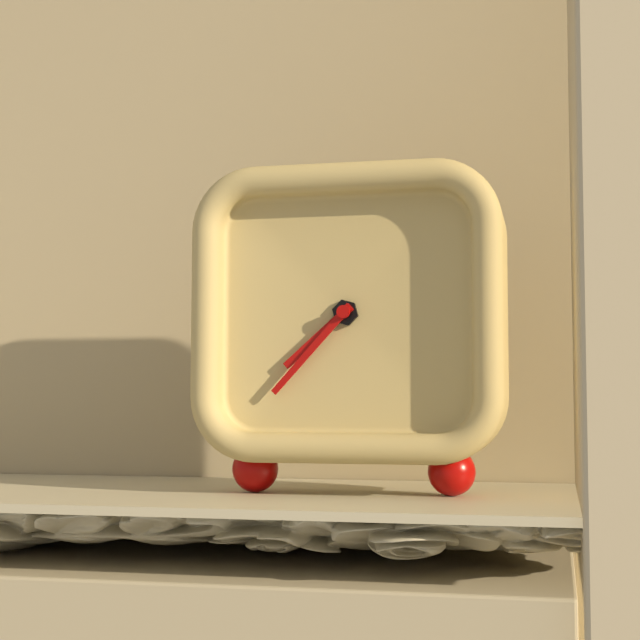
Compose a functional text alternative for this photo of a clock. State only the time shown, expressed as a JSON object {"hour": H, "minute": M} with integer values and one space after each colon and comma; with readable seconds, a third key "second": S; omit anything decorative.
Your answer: {"hour": 7, "minute": 37}
